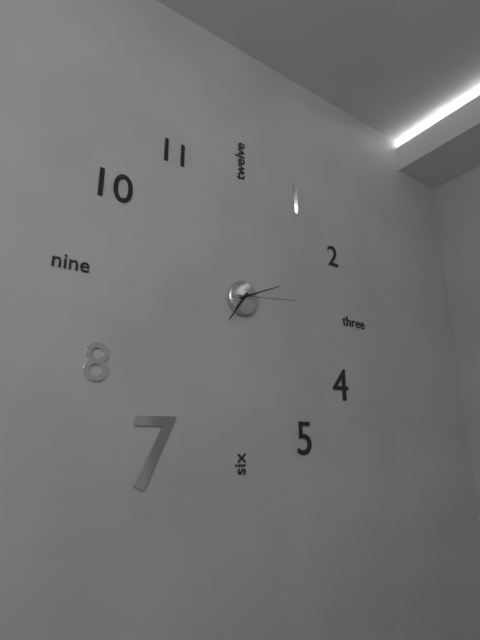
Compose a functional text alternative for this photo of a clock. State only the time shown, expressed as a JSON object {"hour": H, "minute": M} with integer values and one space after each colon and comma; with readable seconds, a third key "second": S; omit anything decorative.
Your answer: {"hour": 7, "minute": 11, "second": 14}
